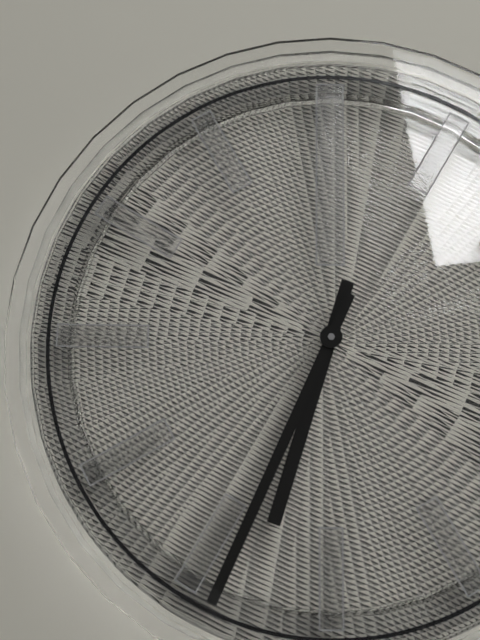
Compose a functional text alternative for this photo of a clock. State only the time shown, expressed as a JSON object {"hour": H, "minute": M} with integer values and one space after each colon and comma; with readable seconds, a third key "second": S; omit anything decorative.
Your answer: {"hour": 6, "minute": 34}
